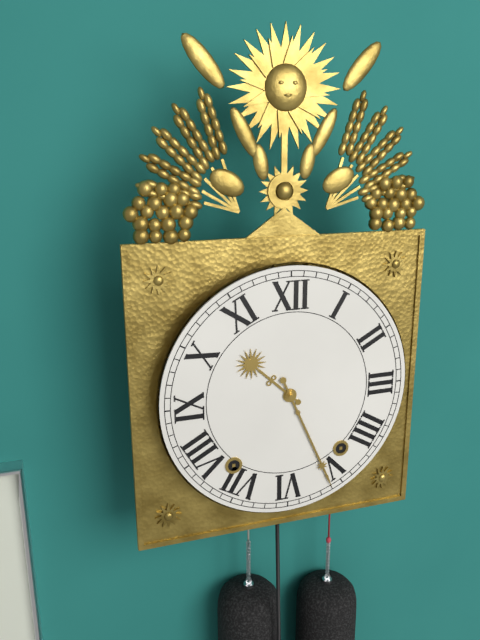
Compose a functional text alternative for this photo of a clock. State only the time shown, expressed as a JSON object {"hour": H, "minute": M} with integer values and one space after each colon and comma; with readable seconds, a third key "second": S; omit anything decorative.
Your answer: {"hour": 10, "minute": 26}
